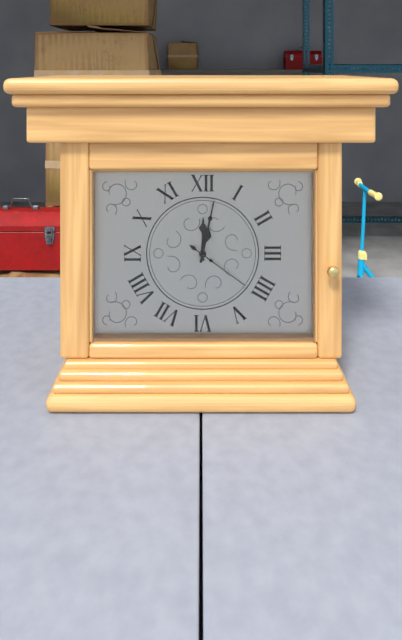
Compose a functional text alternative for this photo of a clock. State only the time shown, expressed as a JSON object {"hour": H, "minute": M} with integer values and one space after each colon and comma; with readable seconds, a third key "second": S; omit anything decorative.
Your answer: {"hour": 12, "minute": 2, "second": 21}
